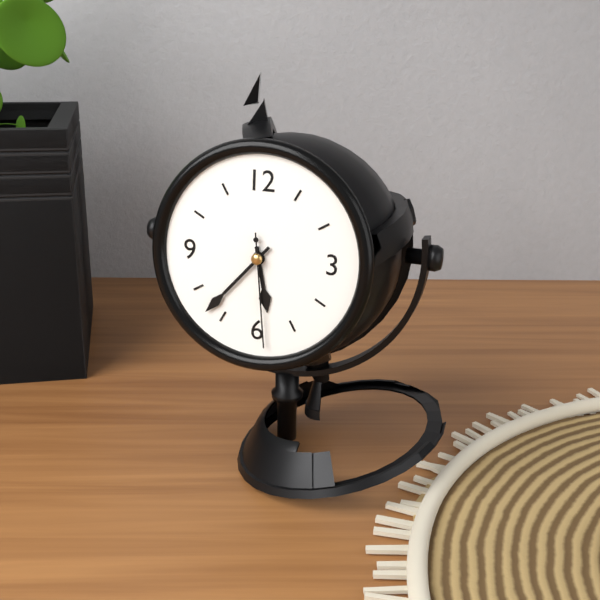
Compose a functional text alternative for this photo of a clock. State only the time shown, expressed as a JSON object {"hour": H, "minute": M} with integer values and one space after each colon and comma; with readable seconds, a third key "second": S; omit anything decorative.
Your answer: {"hour": 5, "minute": 37, "second": 29}
